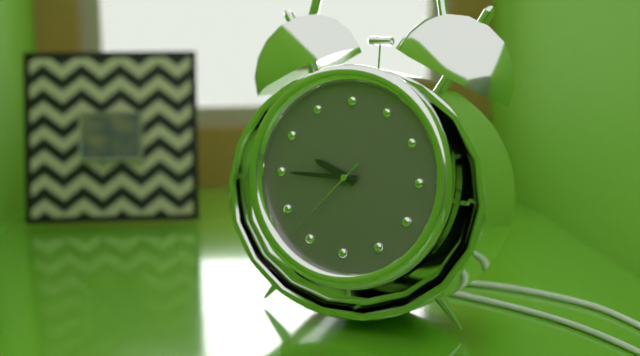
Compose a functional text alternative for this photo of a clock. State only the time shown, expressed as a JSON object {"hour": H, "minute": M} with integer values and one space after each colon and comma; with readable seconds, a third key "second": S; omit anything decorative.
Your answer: {"hour": 9, "minute": 45, "second": 37}
